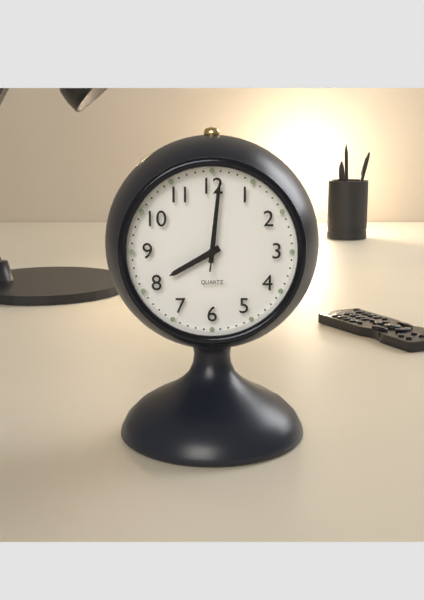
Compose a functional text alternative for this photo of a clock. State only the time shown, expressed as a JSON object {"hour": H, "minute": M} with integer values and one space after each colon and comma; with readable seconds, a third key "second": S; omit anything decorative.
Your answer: {"hour": 8, "minute": 1, "second": 1}
